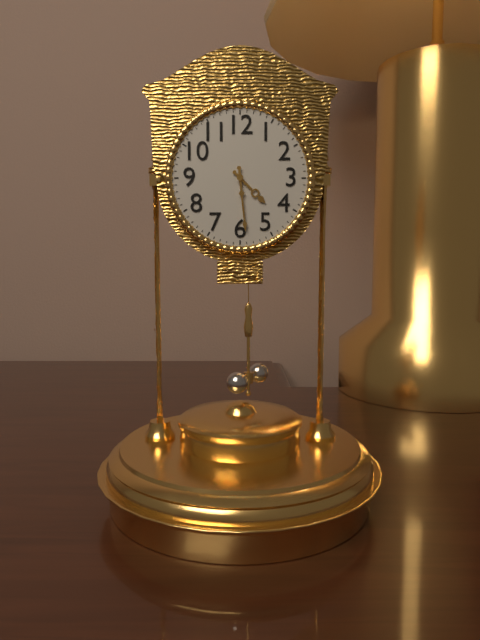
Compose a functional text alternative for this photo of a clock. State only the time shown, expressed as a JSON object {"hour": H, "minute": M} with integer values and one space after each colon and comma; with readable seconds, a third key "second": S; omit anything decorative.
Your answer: {"hour": 4, "minute": 29}
